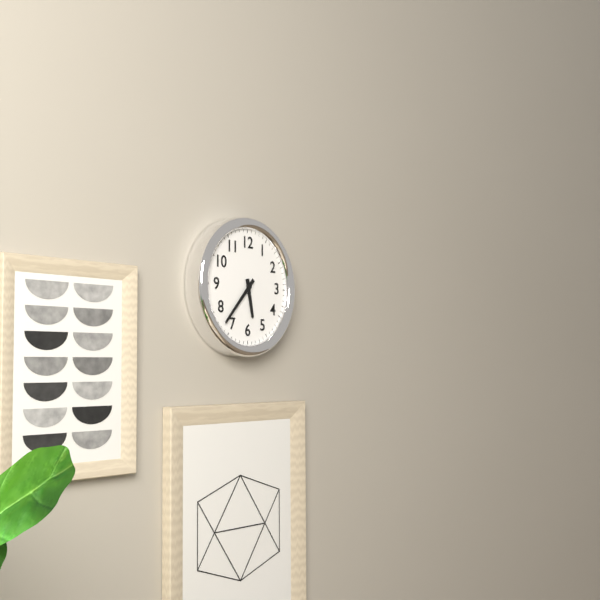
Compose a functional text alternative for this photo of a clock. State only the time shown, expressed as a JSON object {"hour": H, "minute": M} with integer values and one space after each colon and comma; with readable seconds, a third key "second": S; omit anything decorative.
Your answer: {"hour": 5, "minute": 37}
